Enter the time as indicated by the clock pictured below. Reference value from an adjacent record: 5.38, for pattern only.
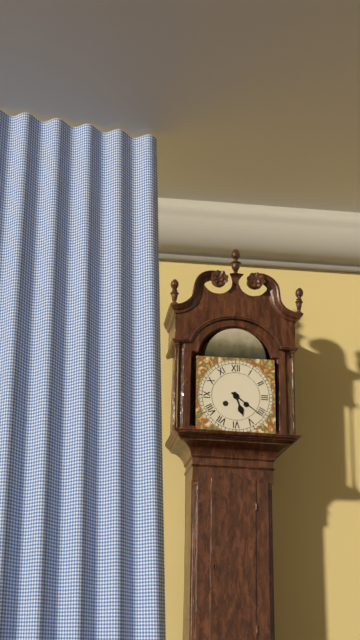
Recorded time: 5.21
